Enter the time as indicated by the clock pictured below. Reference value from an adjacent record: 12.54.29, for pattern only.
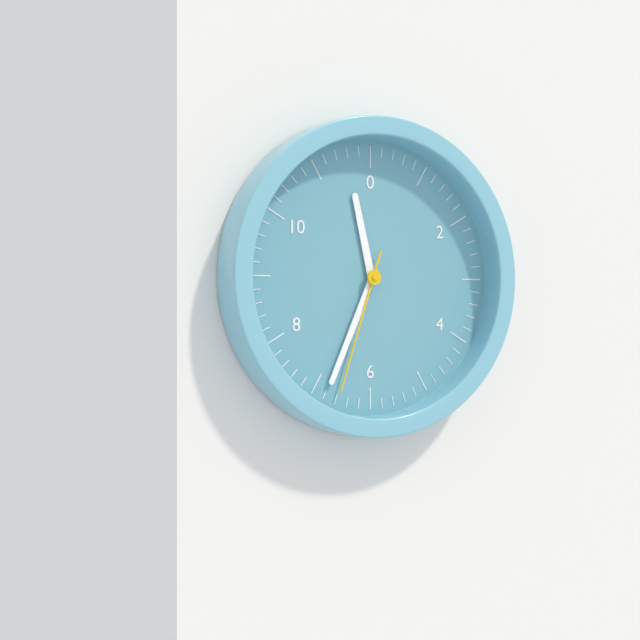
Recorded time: 11.34.33
